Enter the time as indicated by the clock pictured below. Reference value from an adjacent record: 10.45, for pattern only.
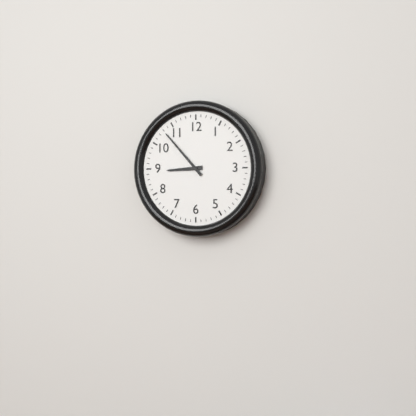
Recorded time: 8.53
